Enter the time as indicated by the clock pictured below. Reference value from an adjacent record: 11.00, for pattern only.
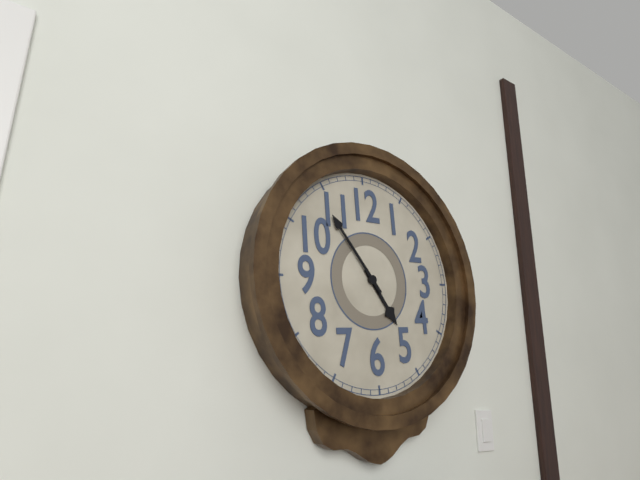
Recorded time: 4.54
